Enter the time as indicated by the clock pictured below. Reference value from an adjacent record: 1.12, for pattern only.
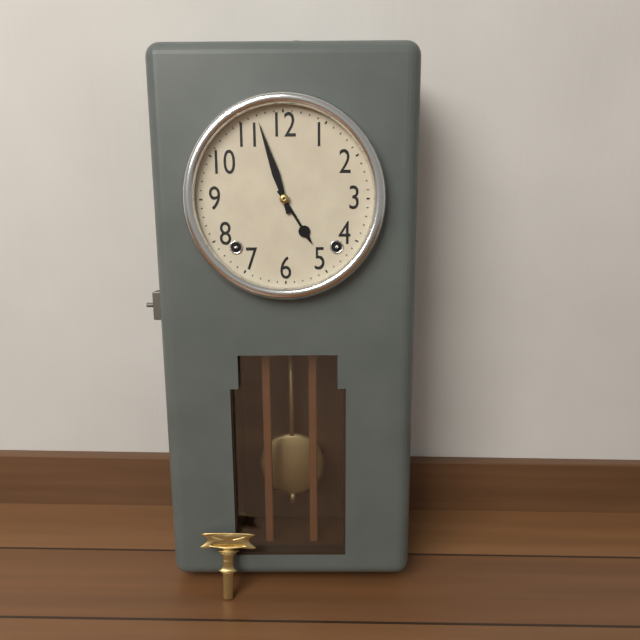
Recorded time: 4.57
